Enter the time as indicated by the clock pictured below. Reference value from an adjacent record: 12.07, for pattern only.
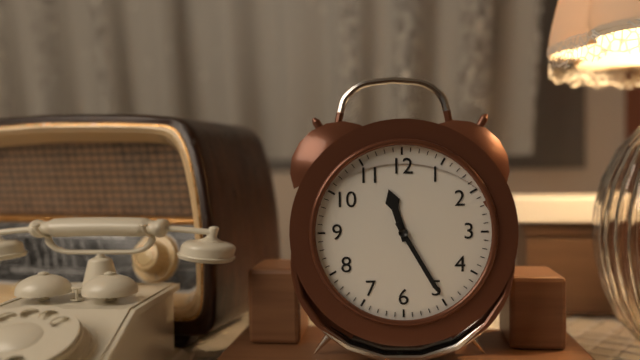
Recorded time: 11.25
